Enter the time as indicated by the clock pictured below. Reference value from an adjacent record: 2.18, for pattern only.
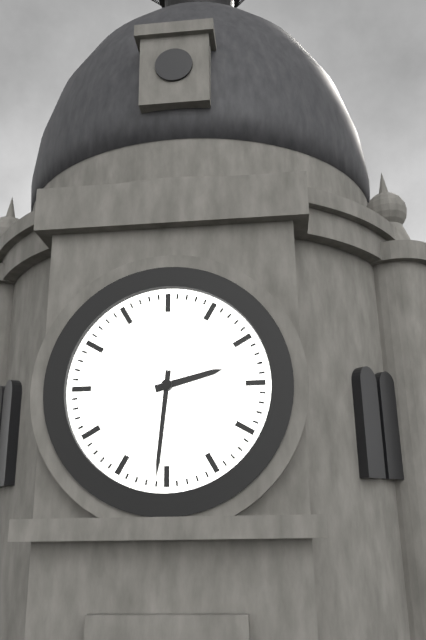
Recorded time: 2.31
